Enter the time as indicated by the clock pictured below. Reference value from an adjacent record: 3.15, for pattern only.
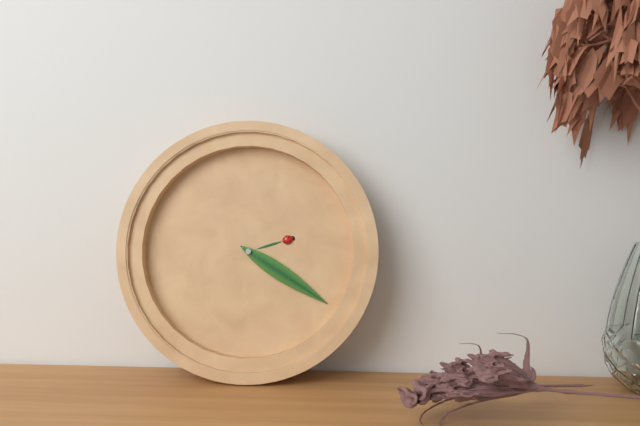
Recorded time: 2.20
